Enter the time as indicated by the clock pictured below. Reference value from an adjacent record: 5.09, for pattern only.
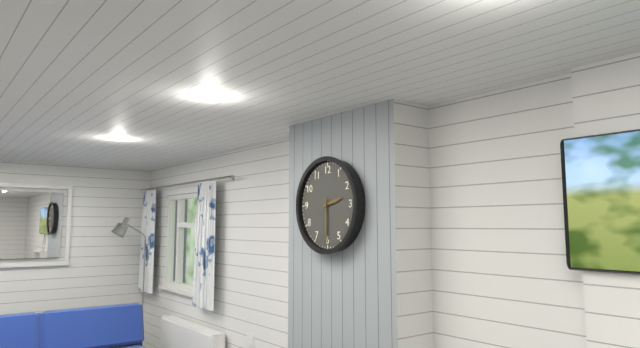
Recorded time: 2.30
